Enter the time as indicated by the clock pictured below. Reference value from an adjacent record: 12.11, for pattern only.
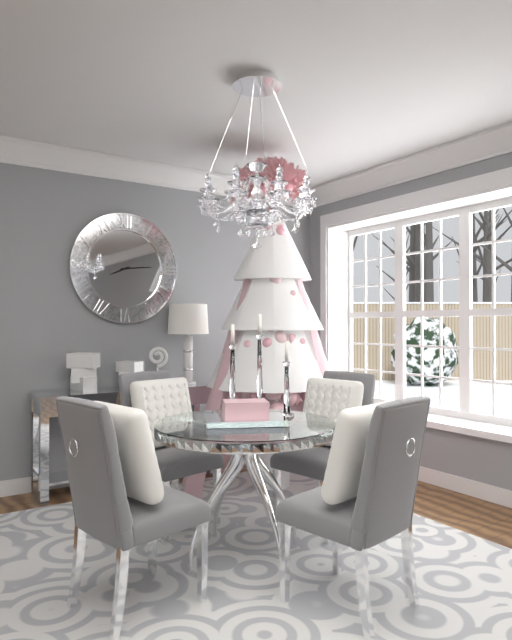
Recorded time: 8.14
